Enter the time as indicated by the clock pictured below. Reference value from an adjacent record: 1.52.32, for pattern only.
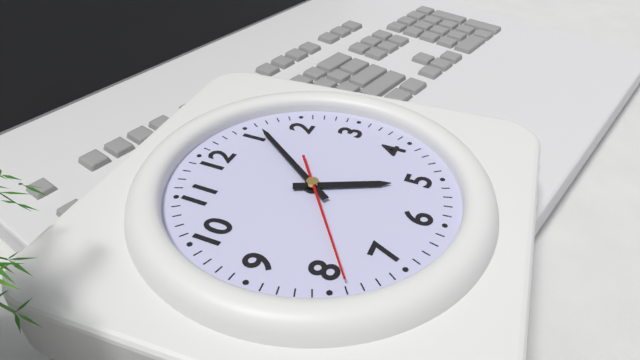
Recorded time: 5.06.39
